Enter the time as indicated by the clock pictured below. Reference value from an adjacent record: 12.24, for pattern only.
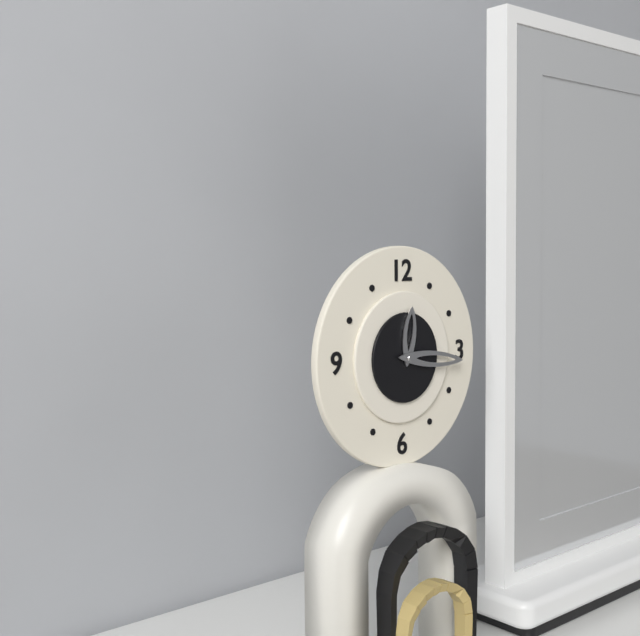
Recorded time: 12.16
